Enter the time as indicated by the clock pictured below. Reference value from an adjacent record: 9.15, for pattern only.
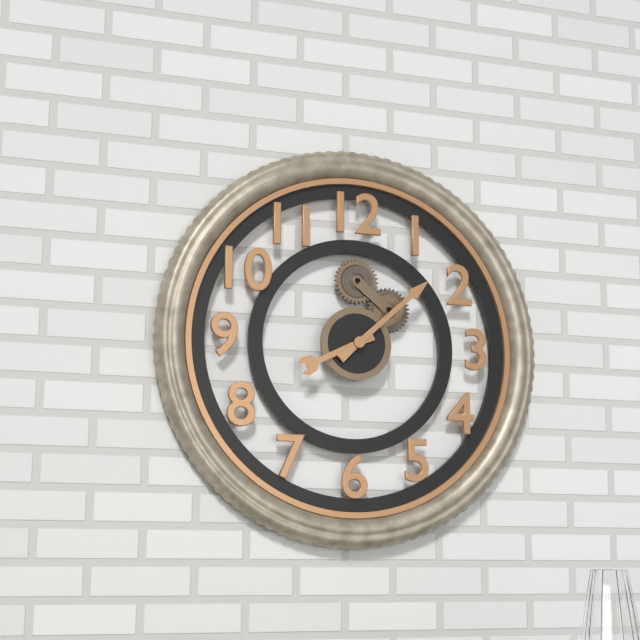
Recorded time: 8.08
